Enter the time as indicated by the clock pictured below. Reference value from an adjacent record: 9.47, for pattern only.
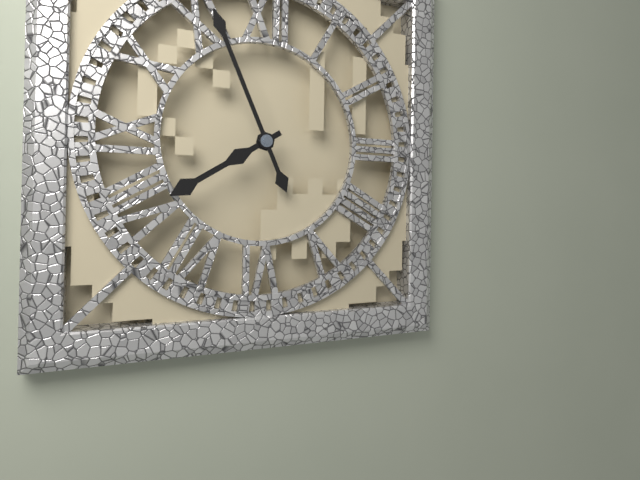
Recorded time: 7.56
